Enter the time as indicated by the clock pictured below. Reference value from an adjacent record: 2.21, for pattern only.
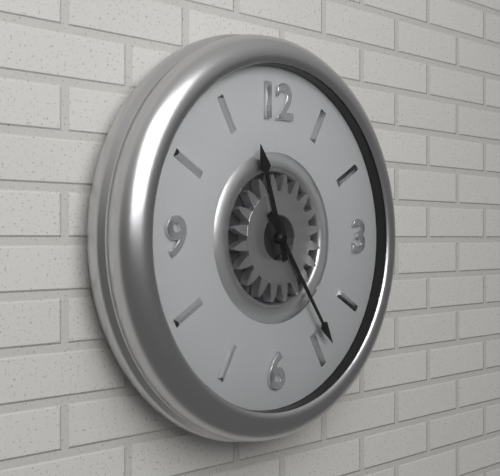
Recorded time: 11.24
